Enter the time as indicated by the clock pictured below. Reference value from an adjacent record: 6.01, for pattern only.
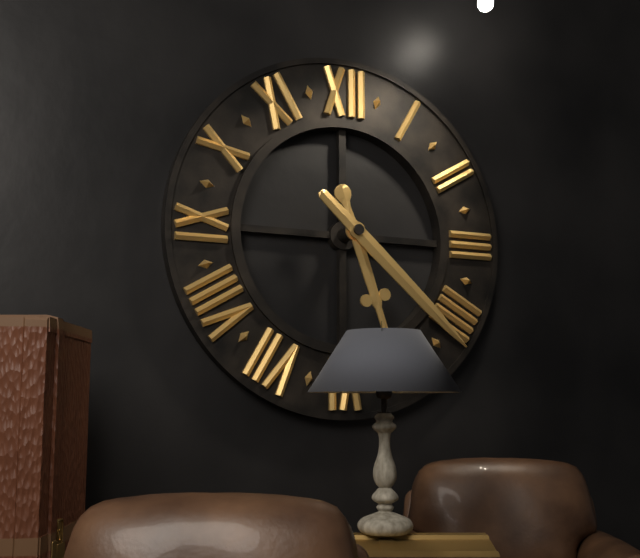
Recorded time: 5.22
